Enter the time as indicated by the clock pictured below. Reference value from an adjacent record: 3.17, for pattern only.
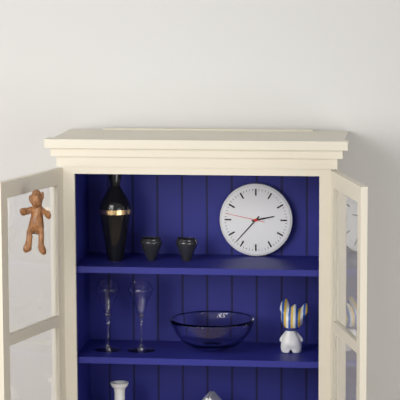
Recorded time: 2.37
